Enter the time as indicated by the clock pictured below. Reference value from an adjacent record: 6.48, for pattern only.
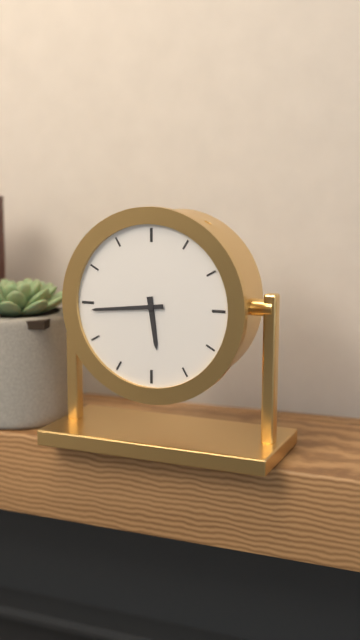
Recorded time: 5.44
